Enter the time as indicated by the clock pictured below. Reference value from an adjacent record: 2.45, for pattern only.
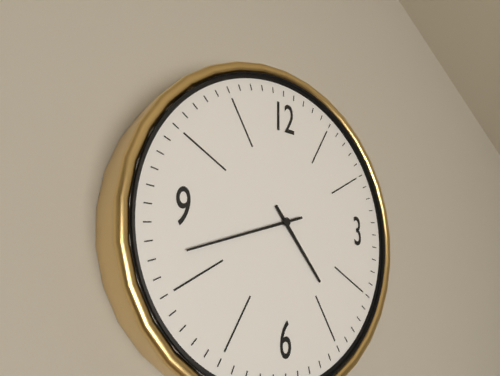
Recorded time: 4.42
